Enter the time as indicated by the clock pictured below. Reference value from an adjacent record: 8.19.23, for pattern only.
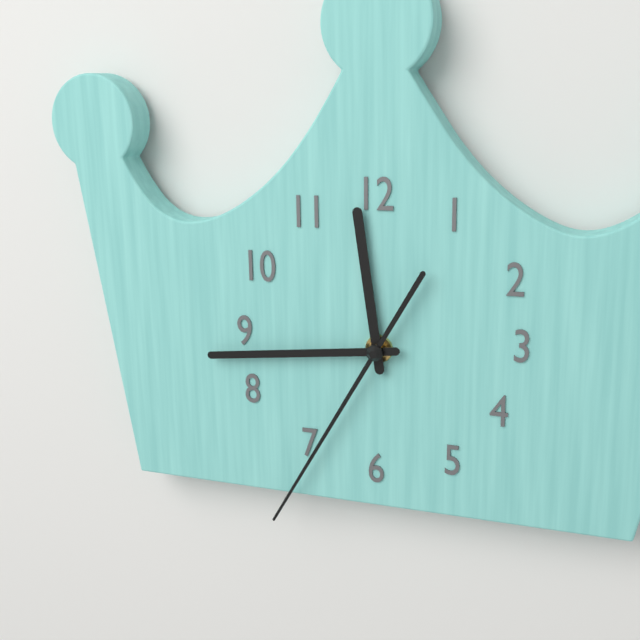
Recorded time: 11.44.35
